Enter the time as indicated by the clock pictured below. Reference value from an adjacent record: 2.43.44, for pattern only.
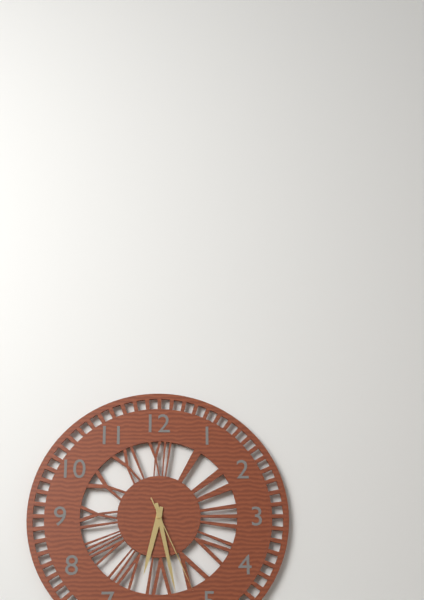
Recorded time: 6.28.26
